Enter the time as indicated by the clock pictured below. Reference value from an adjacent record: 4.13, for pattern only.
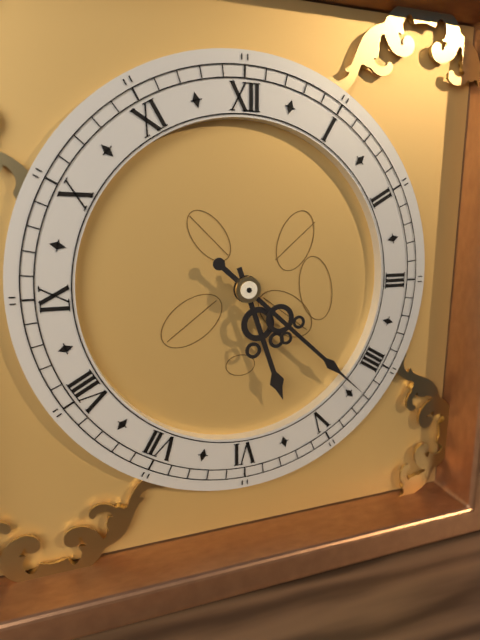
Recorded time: 5.22
